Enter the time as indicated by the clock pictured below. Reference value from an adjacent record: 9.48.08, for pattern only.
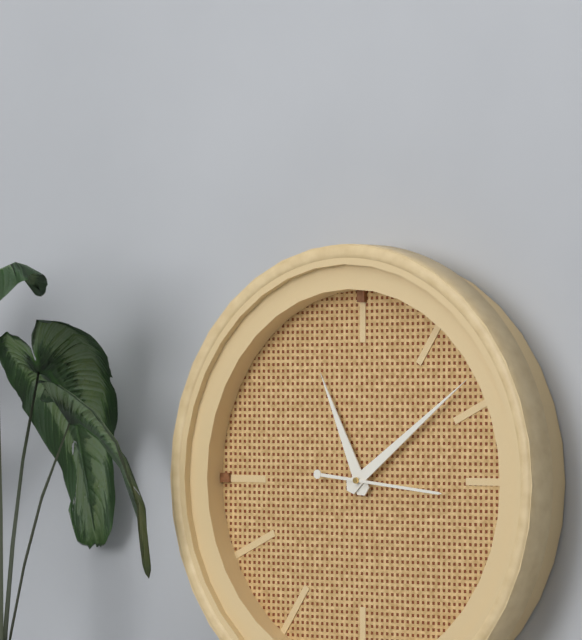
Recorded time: 11.09.16
